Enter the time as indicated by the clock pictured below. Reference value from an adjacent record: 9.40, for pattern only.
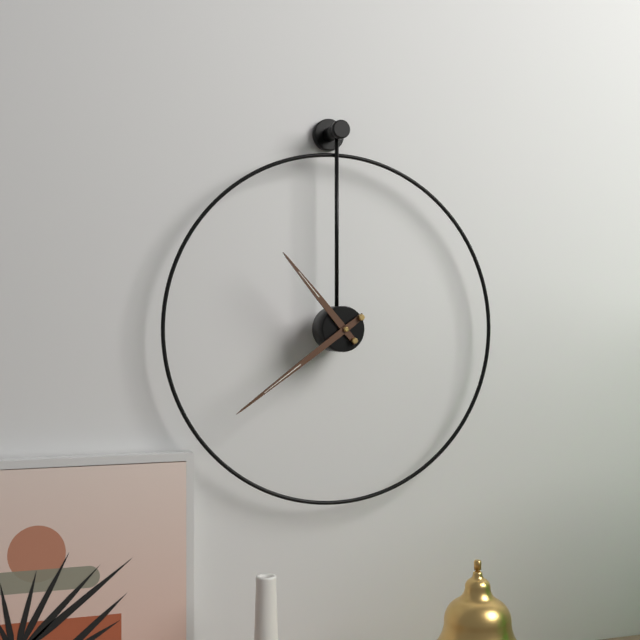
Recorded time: 10.39
